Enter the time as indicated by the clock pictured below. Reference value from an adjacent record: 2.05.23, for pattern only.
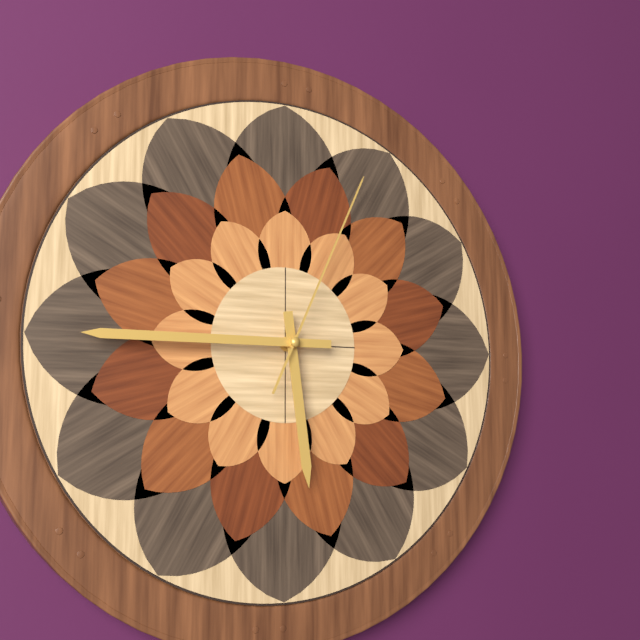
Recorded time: 5.45.04
